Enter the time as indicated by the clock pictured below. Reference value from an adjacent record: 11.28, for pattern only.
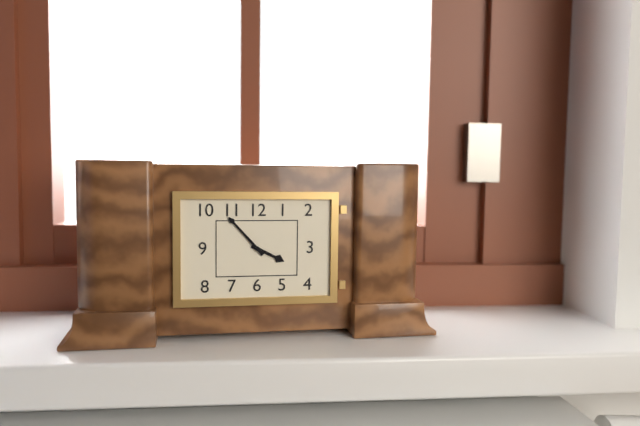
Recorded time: 3.53
